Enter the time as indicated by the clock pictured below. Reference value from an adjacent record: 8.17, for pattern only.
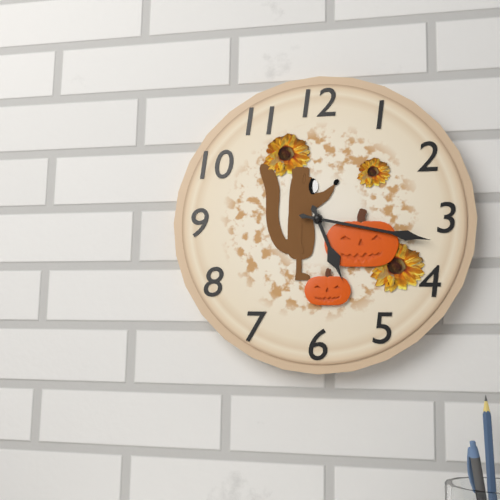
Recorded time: 5.17
